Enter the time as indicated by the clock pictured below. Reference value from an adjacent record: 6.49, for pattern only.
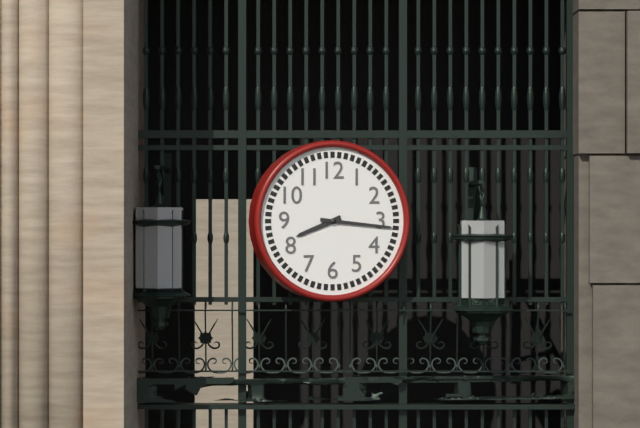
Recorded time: 8.16
